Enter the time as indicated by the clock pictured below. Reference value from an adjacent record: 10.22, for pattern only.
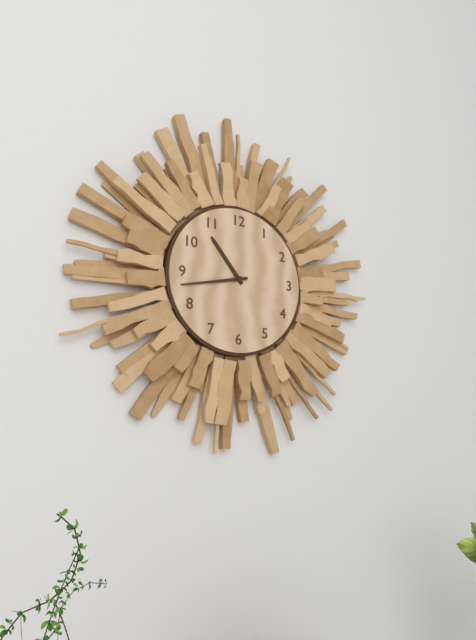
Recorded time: 10.43
